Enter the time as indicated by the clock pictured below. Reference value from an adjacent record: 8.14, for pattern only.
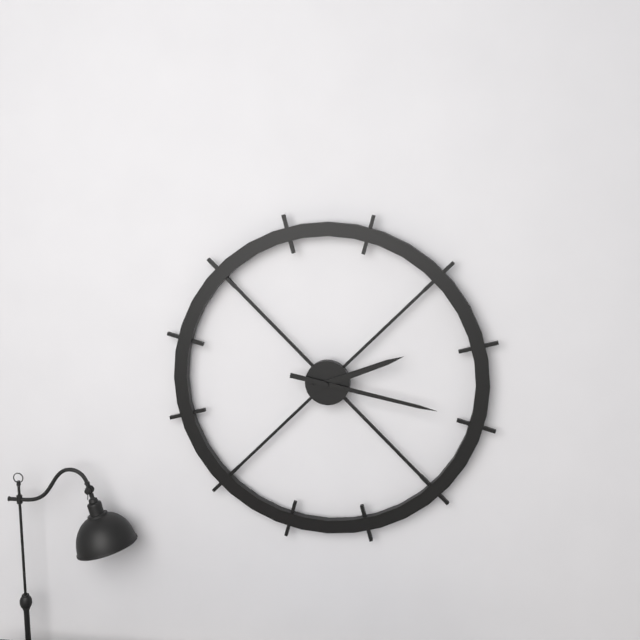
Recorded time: 2.17
